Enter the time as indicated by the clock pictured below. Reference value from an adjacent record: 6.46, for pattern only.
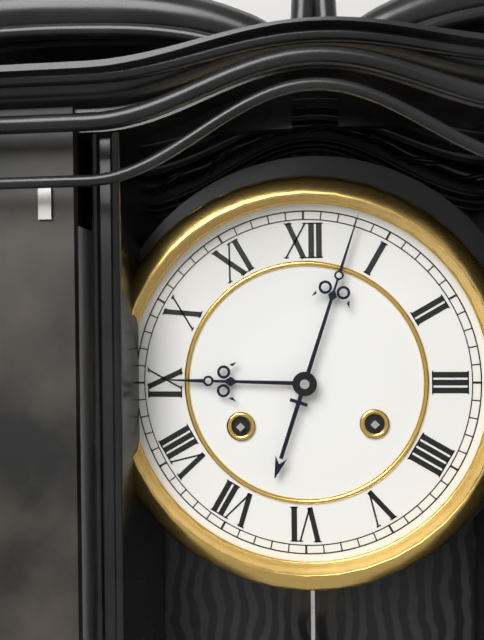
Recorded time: 9.03
